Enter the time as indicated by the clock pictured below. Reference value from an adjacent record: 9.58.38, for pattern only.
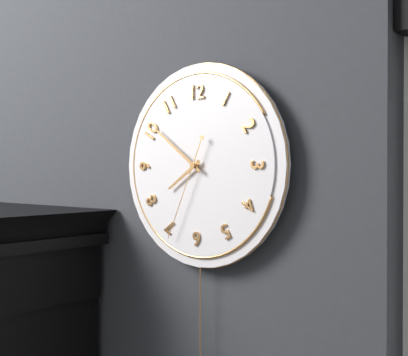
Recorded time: 7.51.34
